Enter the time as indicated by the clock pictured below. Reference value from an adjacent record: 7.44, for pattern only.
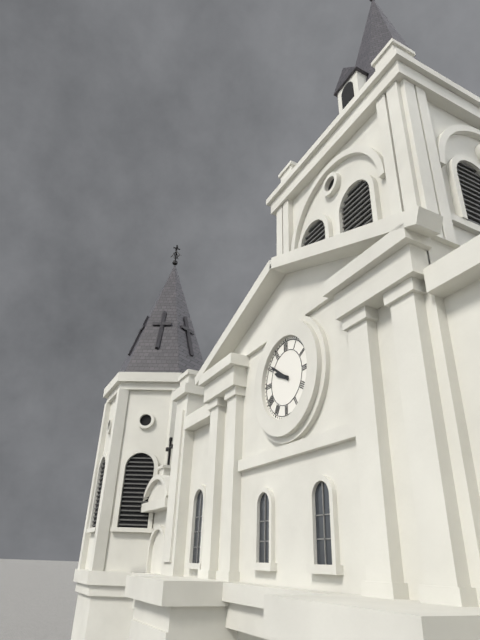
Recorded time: 9.51
